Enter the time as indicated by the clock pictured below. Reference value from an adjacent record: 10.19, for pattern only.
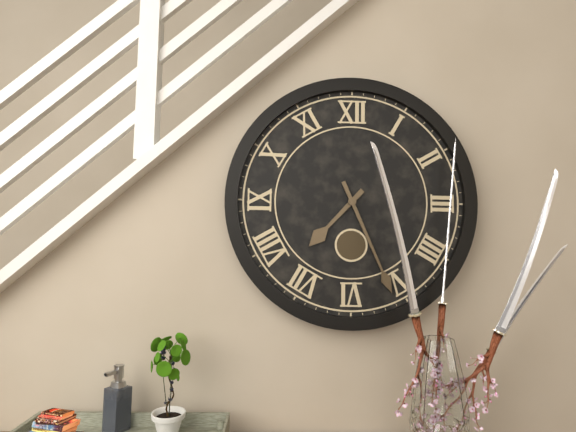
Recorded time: 7.26
